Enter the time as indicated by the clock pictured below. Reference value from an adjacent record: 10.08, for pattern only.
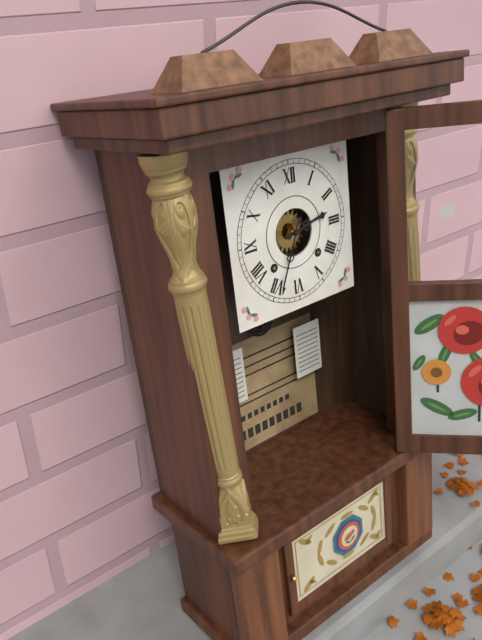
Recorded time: 2.34
